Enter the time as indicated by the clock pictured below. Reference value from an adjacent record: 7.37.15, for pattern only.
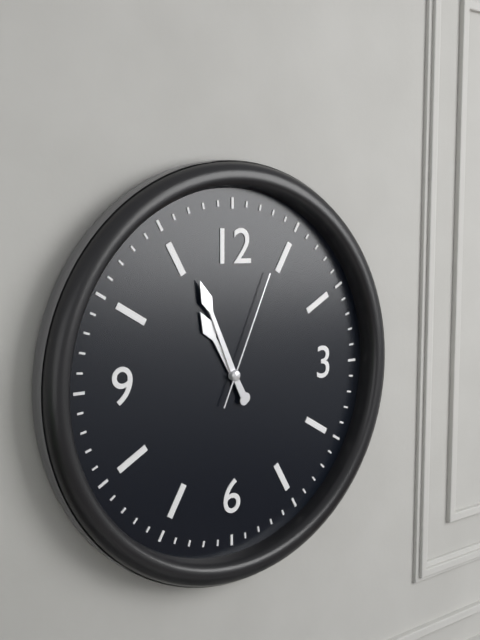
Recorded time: 10.56.04
